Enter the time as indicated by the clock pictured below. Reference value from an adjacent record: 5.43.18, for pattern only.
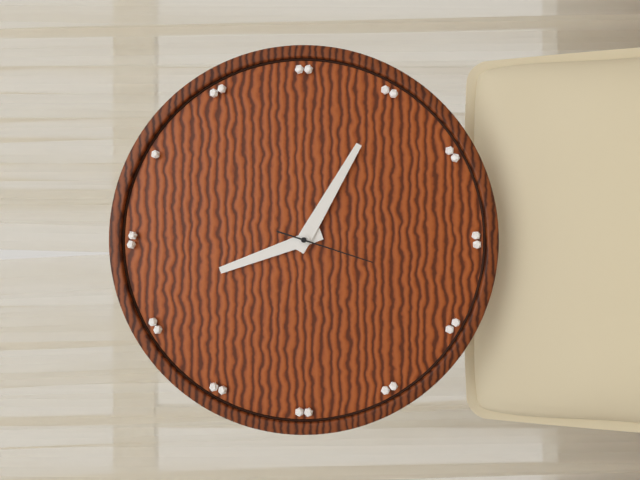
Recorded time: 11.20.33
